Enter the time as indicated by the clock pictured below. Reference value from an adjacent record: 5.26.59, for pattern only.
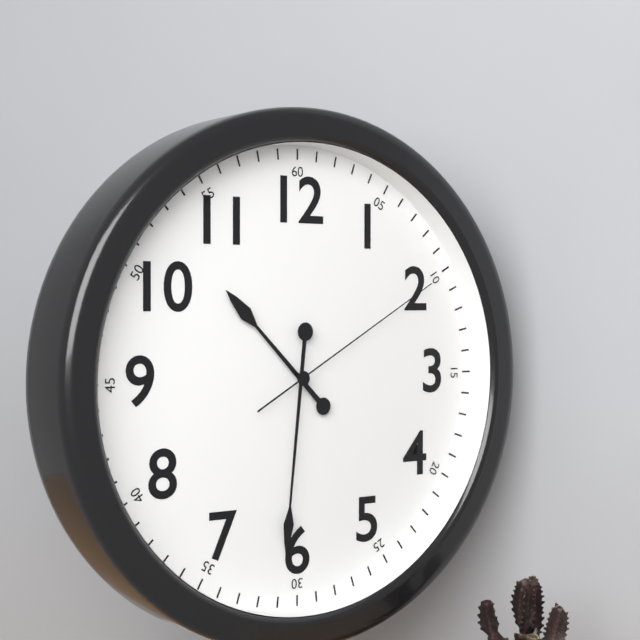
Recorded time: 10.31.10
